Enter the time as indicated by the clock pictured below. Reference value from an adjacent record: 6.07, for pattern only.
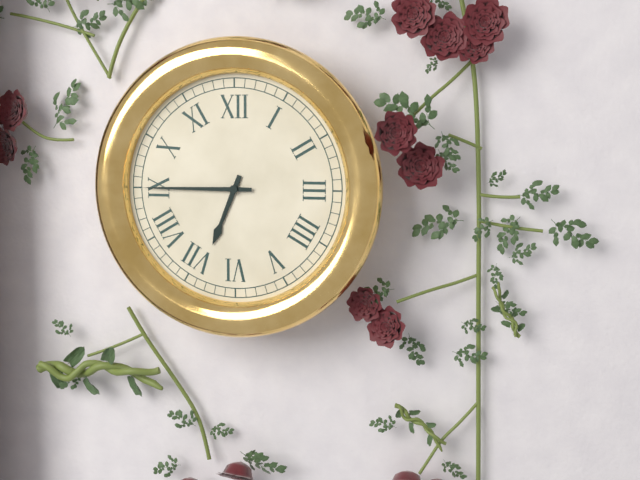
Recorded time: 6.45
